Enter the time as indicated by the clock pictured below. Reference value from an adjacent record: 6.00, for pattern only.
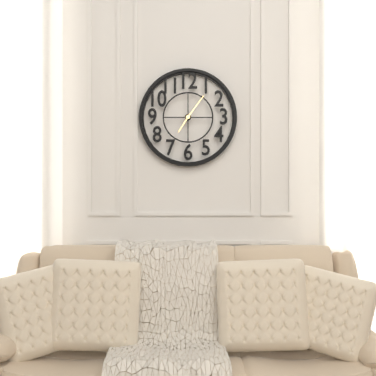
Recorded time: 7.06
